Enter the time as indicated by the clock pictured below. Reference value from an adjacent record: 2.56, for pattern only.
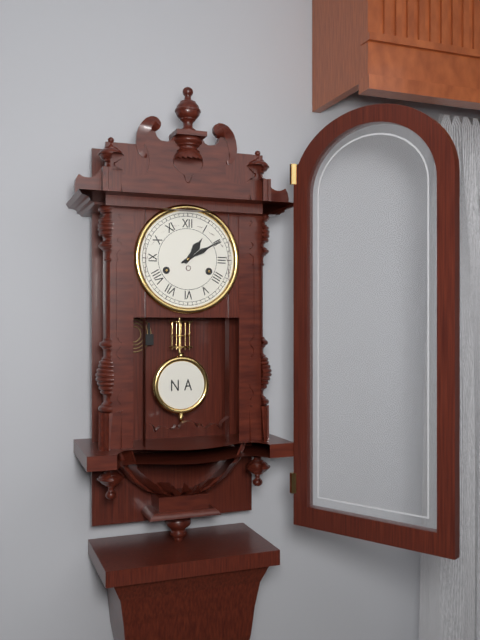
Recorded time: 1.10
